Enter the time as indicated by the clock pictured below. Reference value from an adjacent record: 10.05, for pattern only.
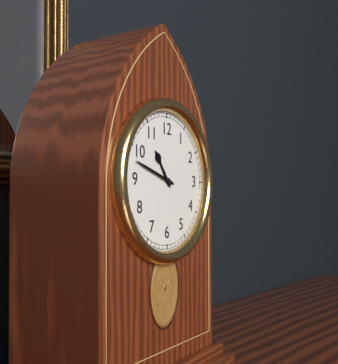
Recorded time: 10.48
